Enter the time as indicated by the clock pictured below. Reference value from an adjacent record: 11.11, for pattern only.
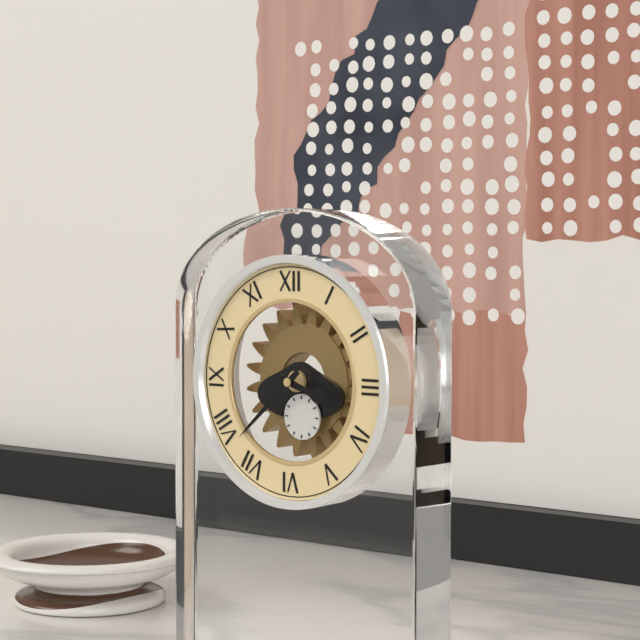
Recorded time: 3.38
